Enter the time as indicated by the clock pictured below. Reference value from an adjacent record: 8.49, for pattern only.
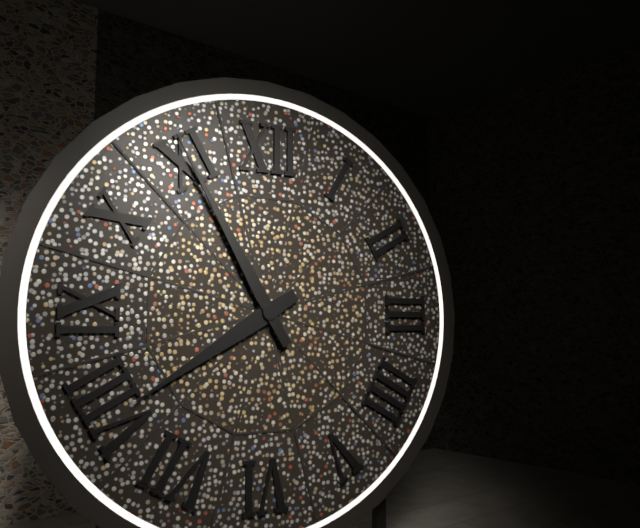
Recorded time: 7.55
